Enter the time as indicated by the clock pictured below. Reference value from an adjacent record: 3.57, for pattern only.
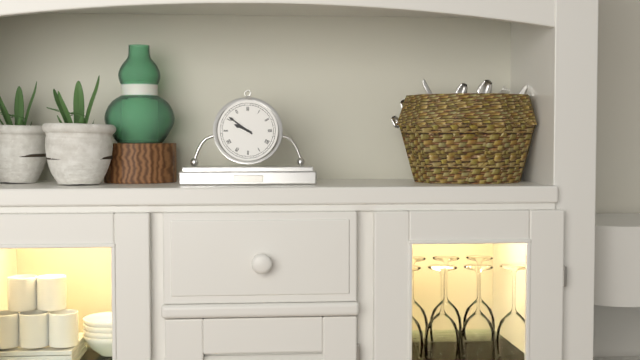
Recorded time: 9.51
